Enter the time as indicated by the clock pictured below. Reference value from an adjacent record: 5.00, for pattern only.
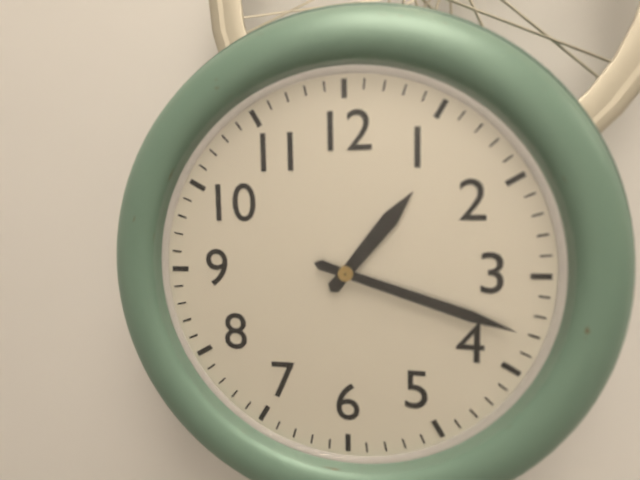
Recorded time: 1.18
